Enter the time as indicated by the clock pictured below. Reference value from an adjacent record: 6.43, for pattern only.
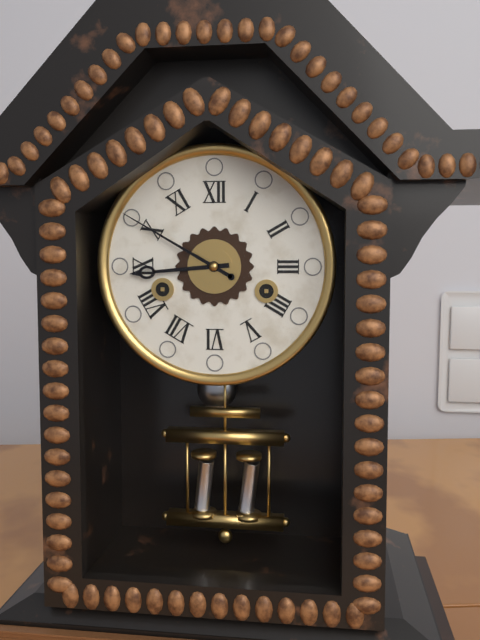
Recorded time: 8.50
